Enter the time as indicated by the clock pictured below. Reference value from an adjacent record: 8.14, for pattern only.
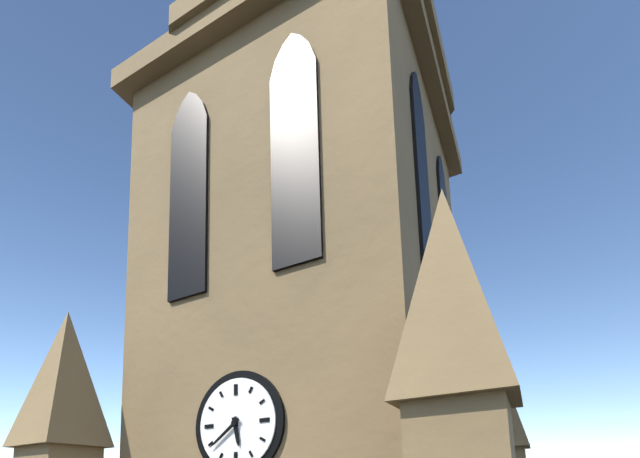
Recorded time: 5.39
